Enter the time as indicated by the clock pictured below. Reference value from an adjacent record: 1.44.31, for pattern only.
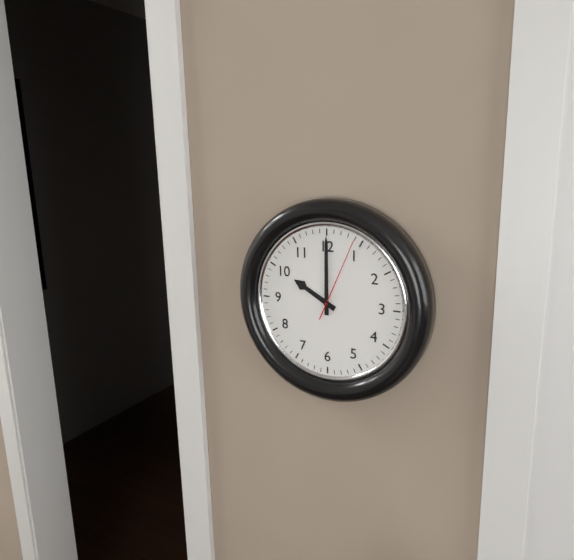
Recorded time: 10.00.04
